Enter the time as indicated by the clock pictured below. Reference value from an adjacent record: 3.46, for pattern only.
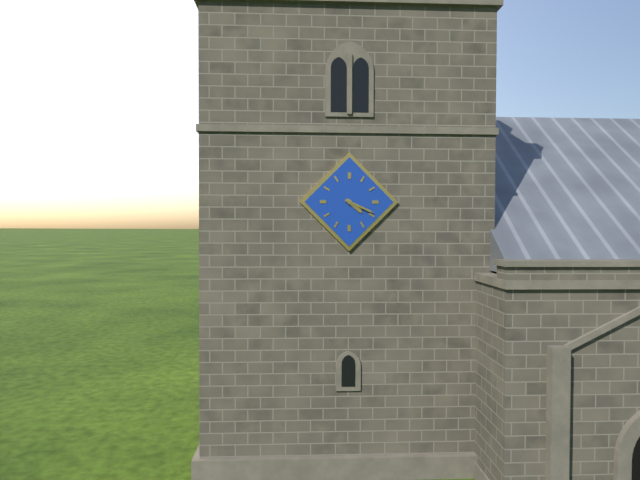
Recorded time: 4.19
